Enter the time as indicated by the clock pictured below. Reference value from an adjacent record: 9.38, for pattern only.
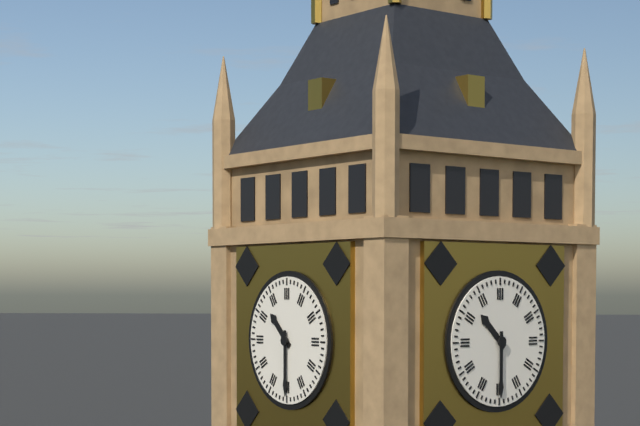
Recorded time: 10.30
